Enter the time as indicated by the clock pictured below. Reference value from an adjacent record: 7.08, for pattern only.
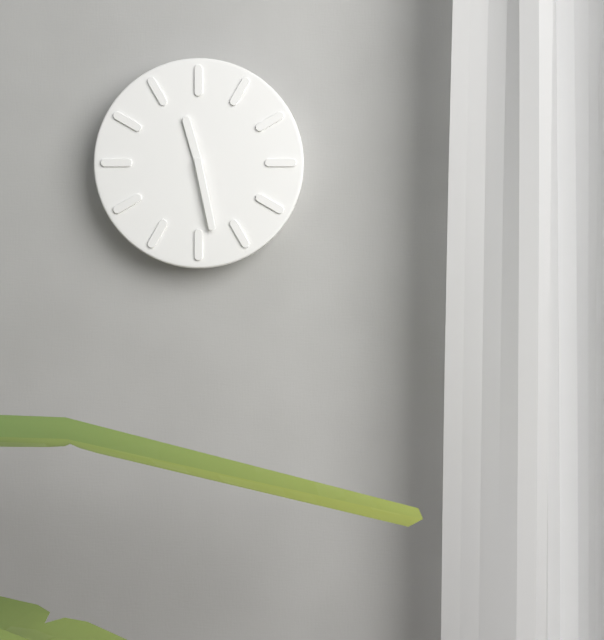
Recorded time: 11.28
